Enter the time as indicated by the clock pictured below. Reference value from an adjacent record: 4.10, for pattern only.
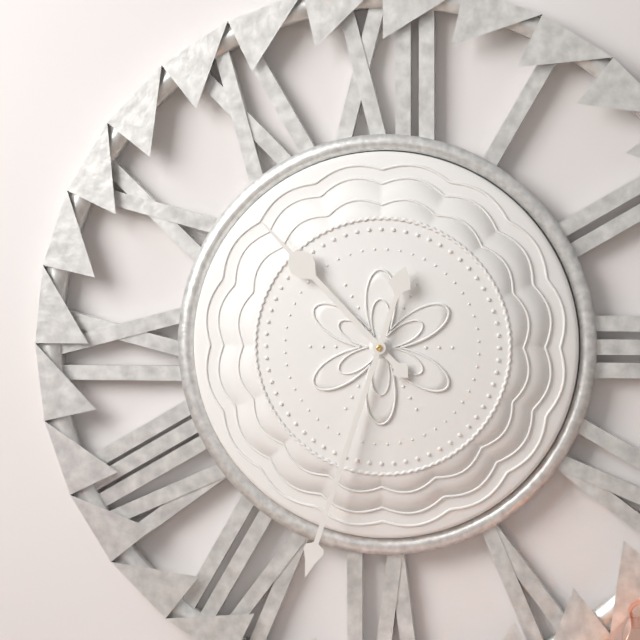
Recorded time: 10.33
